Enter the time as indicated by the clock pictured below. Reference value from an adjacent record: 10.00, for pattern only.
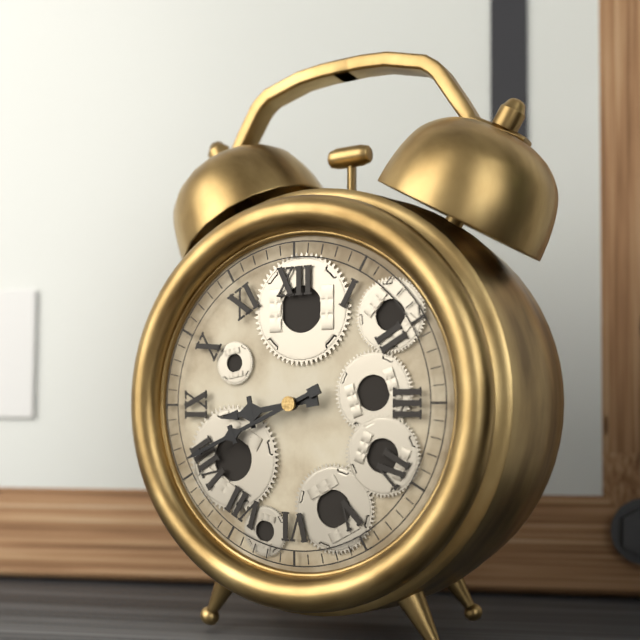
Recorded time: 8.41
